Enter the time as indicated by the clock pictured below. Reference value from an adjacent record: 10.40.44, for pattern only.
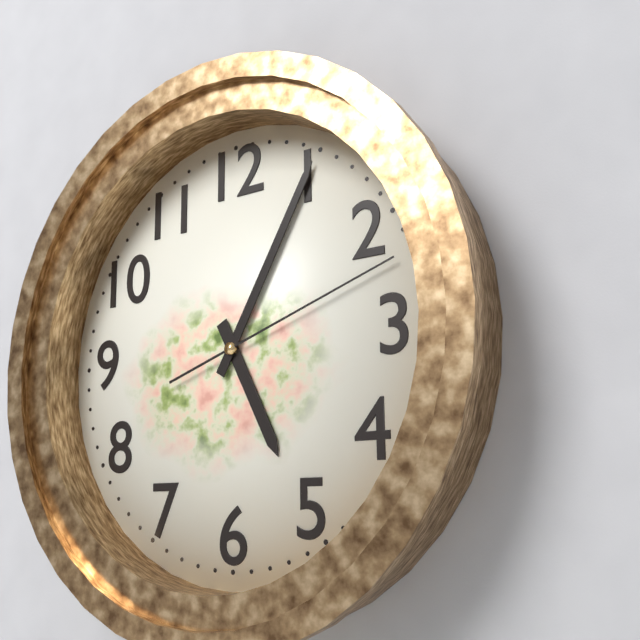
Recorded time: 5.05.12
